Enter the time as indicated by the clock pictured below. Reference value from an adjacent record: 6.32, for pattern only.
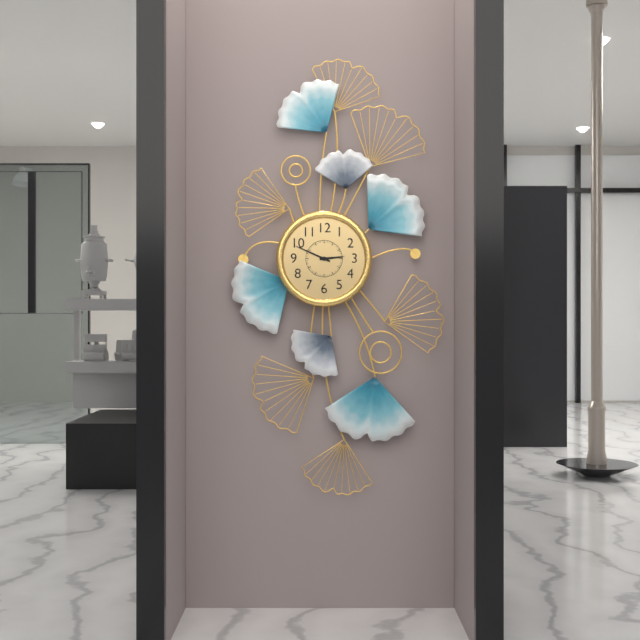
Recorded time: 2.49
